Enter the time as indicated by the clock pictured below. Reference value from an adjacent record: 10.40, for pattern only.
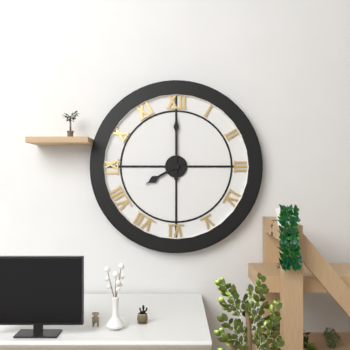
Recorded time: 8.00
